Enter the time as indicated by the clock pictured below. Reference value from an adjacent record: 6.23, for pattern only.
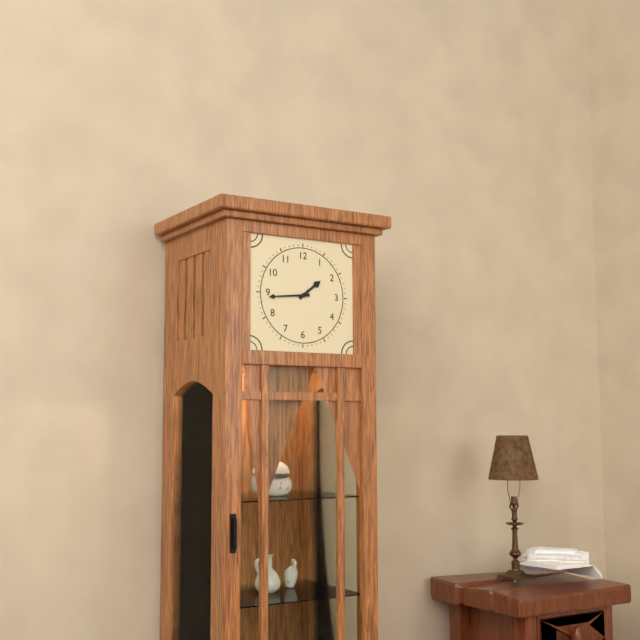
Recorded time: 1.44
